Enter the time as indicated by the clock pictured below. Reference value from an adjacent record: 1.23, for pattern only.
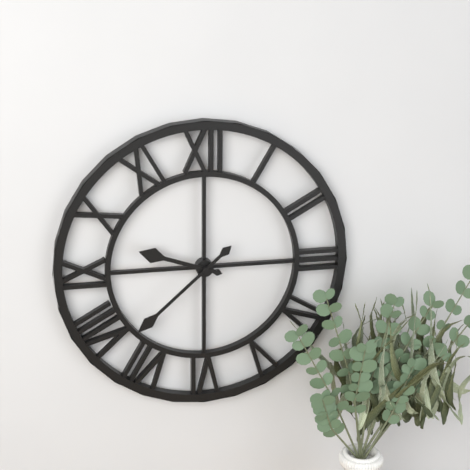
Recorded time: 9.38
